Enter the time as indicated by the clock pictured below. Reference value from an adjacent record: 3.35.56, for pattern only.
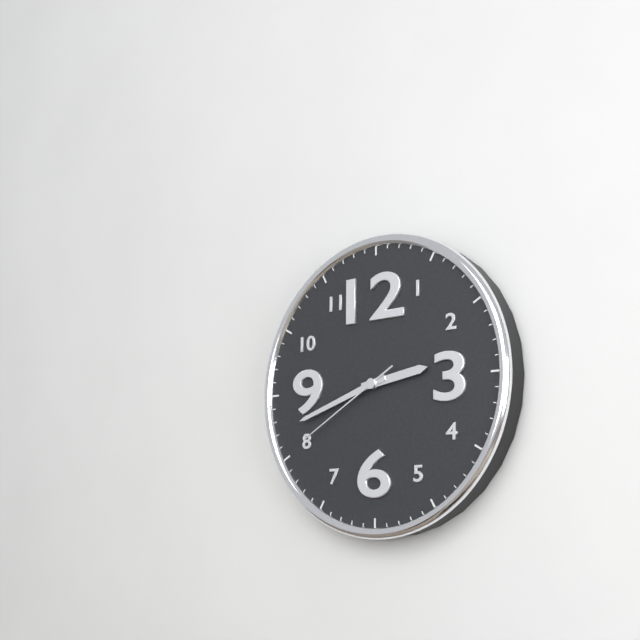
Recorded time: 2.42.40
